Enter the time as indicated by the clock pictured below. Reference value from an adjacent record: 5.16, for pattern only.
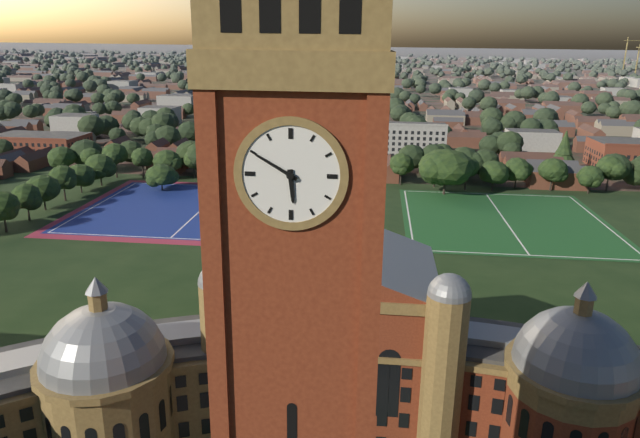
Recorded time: 5.50
